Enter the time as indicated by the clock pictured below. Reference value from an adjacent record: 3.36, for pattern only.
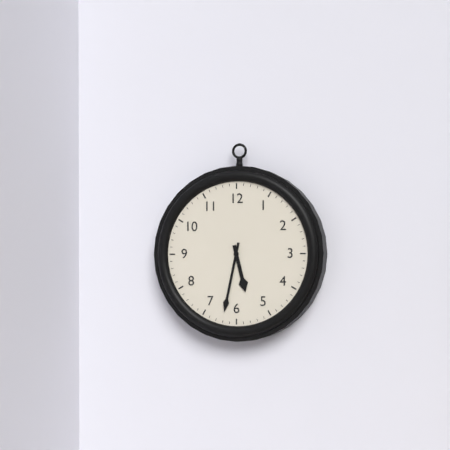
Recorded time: 5.32
